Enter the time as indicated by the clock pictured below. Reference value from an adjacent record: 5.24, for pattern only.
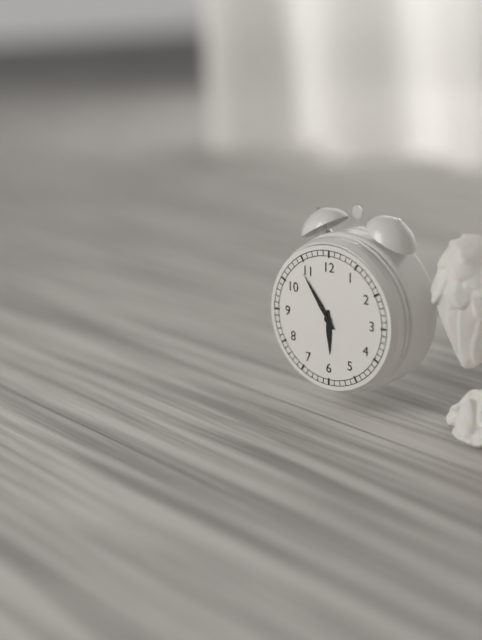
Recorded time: 5.54
